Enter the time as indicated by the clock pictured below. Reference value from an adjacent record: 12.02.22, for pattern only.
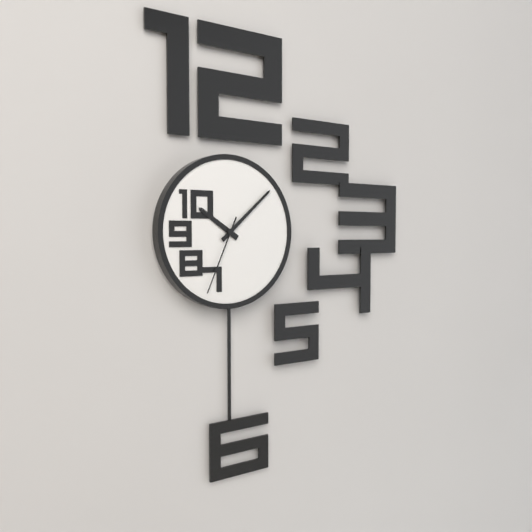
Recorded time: 10.08.34
